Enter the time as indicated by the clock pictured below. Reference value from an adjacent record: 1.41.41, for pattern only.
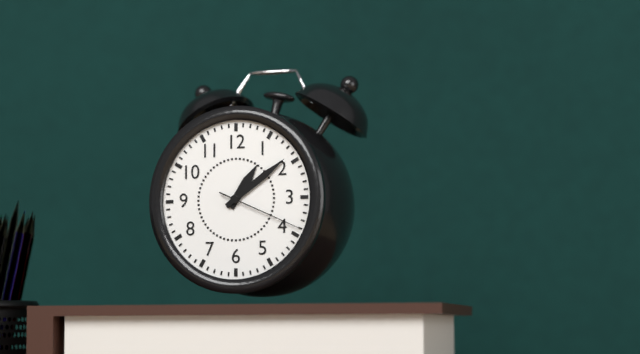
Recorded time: 1.09.19
